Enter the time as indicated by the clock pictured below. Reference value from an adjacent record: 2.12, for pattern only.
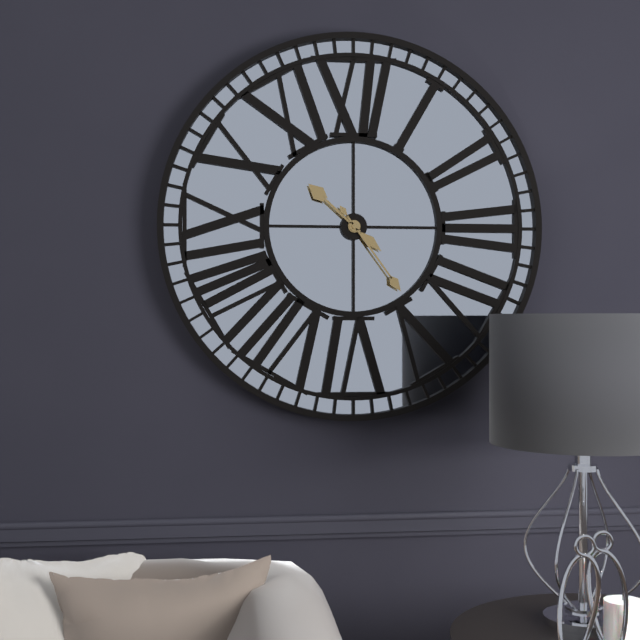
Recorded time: 10.24
